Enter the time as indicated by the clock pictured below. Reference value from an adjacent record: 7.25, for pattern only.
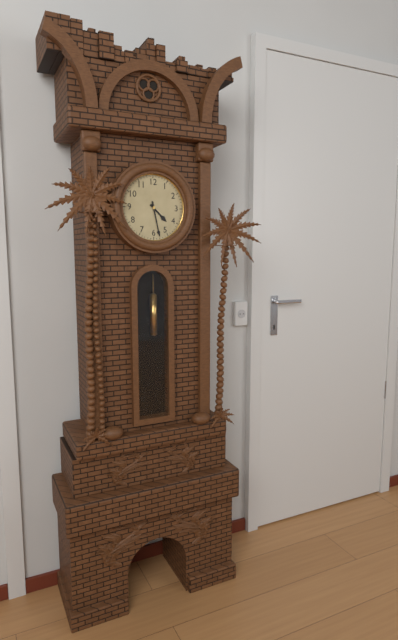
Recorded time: 4.28
